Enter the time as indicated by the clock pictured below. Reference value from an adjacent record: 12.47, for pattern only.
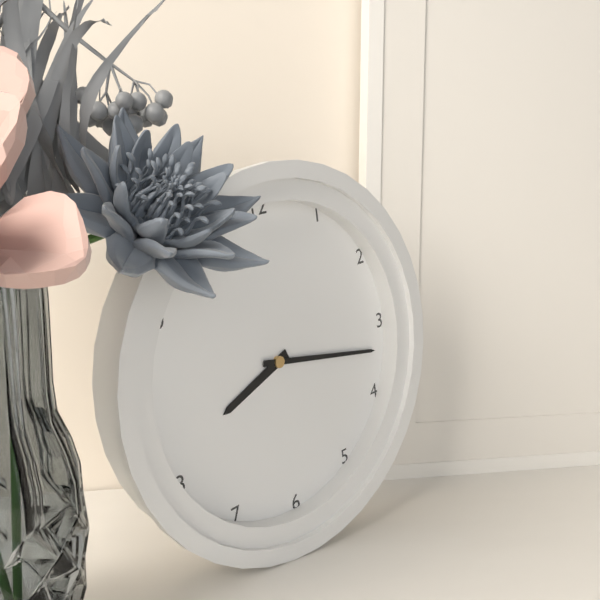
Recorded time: 8.17
